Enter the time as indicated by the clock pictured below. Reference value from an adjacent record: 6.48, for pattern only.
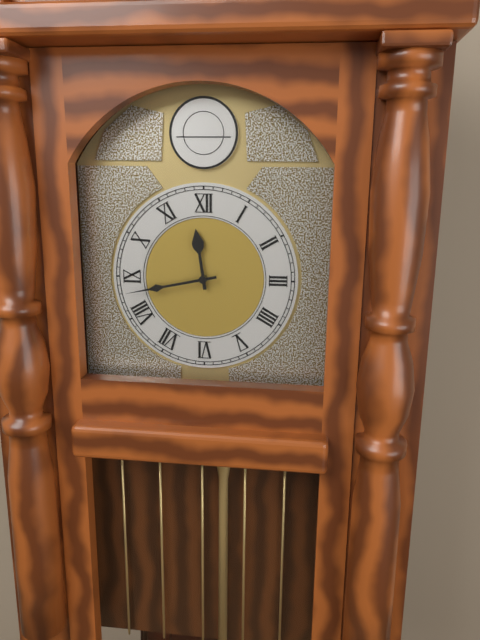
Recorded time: 11.43
